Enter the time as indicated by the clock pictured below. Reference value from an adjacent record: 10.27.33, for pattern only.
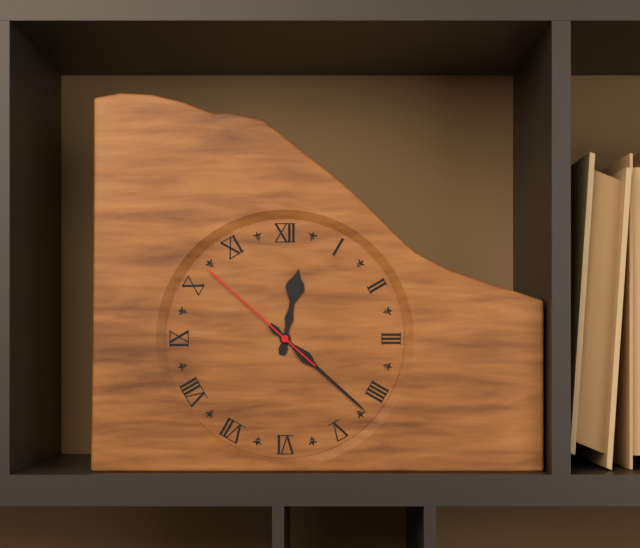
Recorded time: 12.22.52
